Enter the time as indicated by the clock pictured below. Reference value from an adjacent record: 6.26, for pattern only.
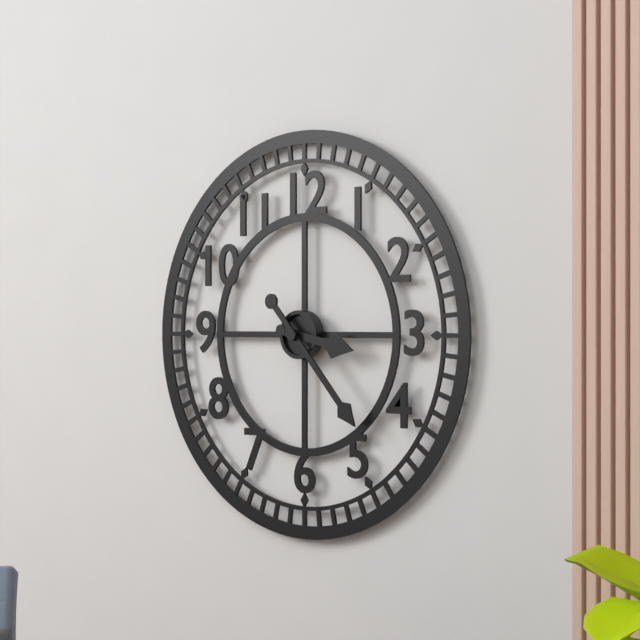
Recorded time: 3.23
